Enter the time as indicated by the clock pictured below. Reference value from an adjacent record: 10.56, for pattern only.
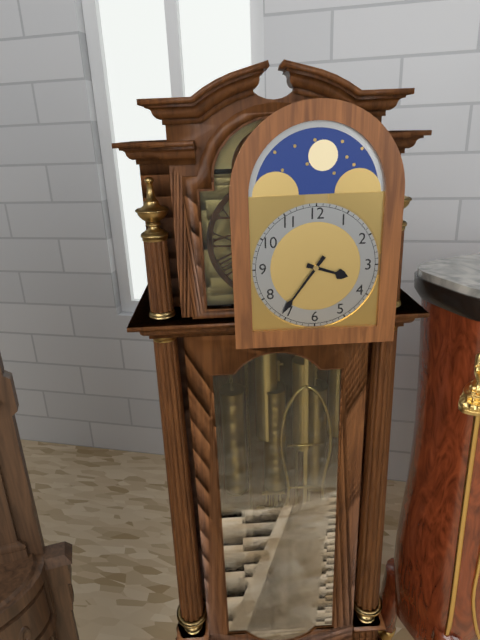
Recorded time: 3.36
